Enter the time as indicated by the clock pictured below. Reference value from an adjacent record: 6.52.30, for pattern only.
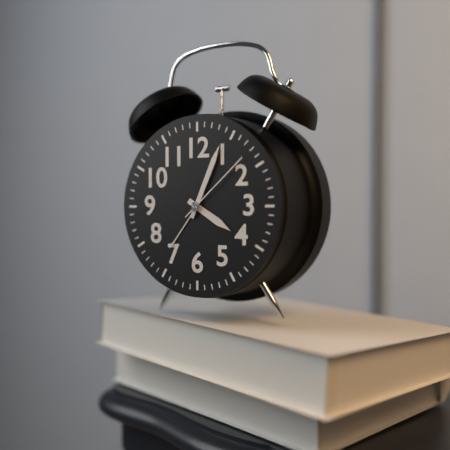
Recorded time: 4.04.08
